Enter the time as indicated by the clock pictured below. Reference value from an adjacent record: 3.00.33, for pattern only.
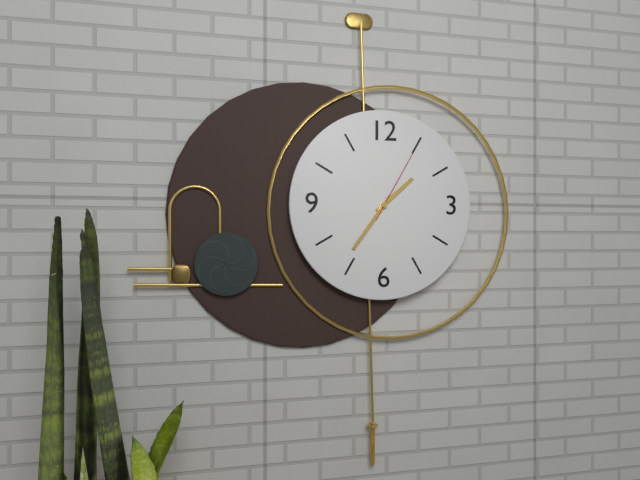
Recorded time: 1.36.05
